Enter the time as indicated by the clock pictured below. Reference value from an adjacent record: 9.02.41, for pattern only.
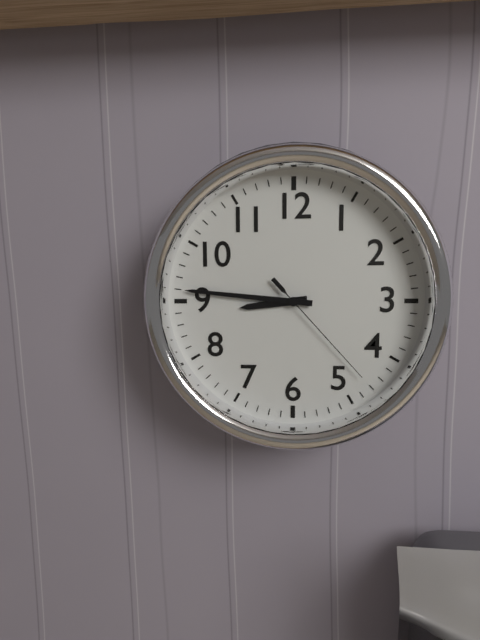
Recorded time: 8.46.23
